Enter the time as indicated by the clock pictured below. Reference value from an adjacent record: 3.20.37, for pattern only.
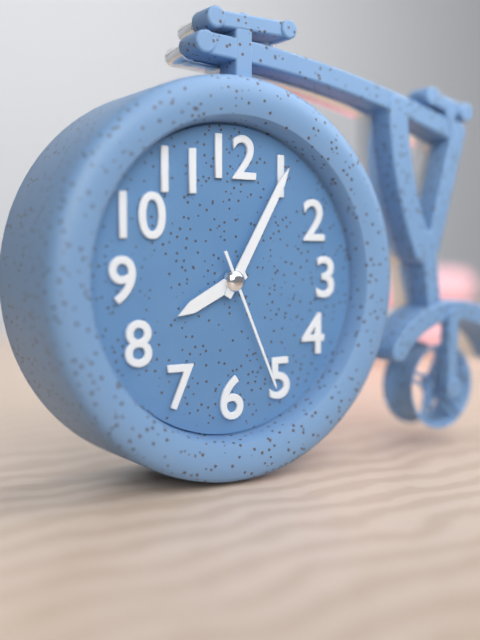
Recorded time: 8.05.26
